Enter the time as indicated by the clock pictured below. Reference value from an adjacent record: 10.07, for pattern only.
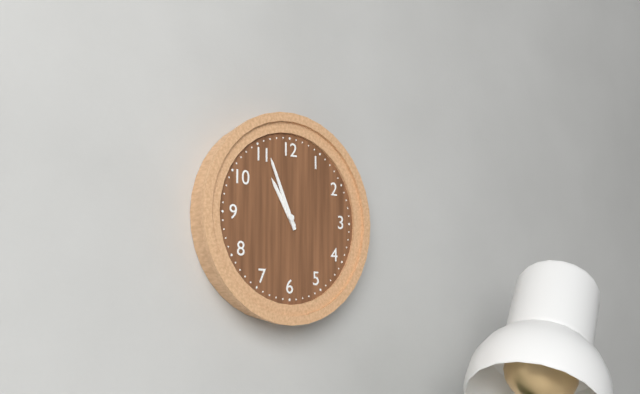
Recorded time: 10.56
